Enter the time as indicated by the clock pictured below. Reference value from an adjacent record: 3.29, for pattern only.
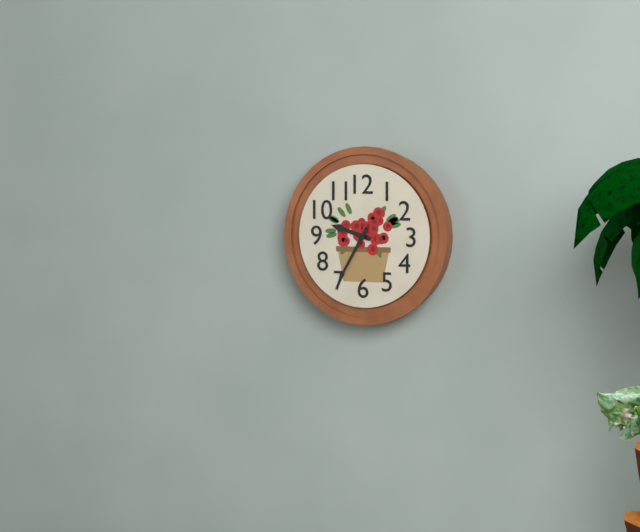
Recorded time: 9.35
